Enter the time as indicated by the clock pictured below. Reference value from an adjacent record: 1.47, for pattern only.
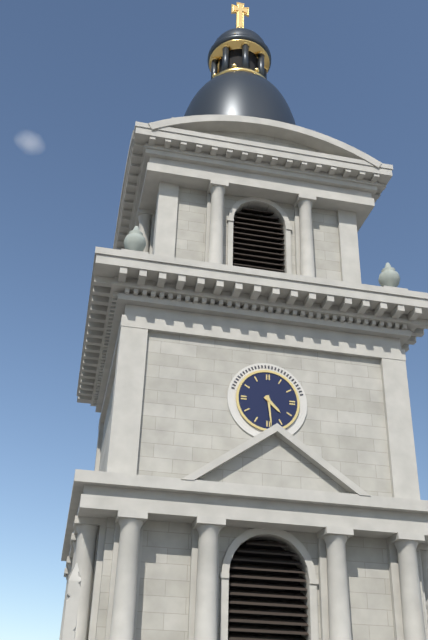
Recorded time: 4.29
